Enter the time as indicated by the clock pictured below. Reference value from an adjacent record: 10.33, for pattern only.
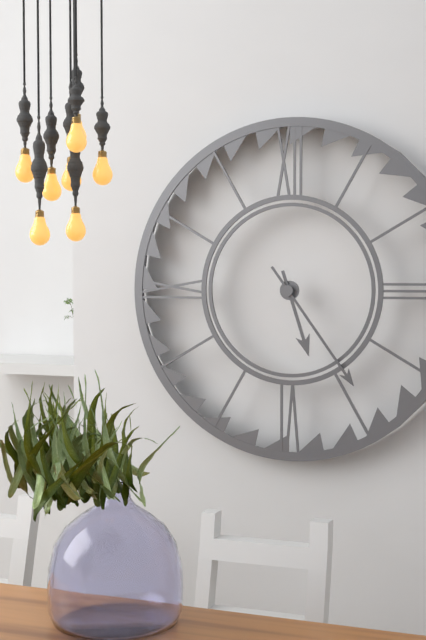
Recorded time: 5.24
